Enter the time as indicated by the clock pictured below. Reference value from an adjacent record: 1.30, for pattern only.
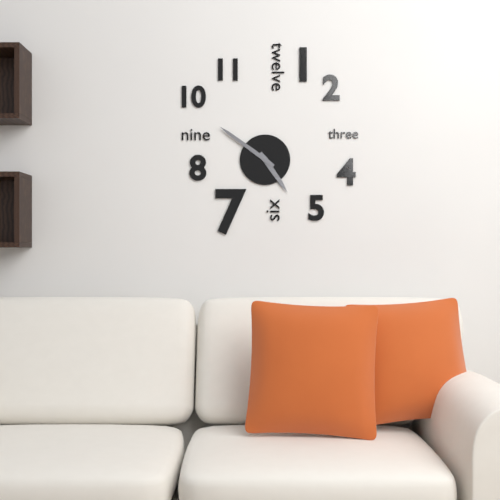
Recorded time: 4.51
